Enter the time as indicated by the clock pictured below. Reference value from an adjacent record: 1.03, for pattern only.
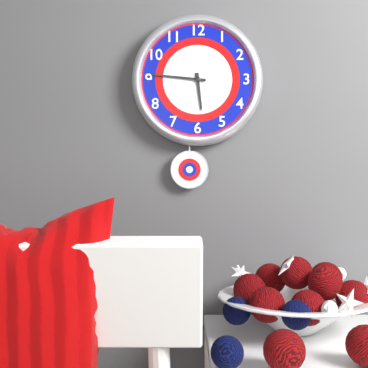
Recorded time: 5.46
